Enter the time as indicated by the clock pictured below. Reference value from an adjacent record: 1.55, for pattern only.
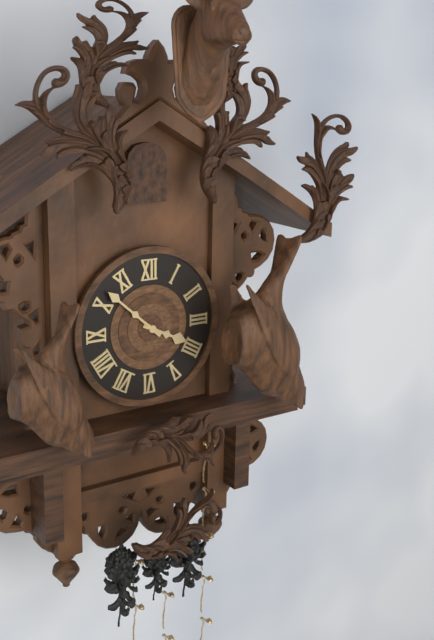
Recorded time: 3.52
